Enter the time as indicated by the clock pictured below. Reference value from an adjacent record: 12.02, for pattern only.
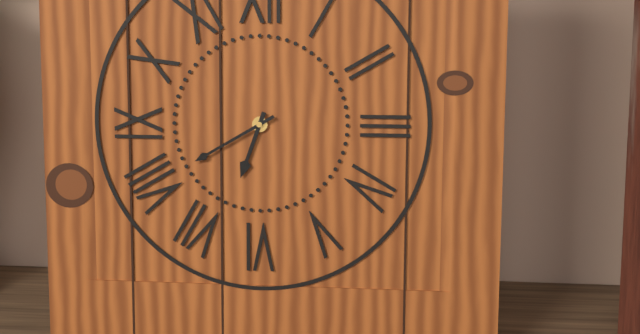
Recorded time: 6.40
